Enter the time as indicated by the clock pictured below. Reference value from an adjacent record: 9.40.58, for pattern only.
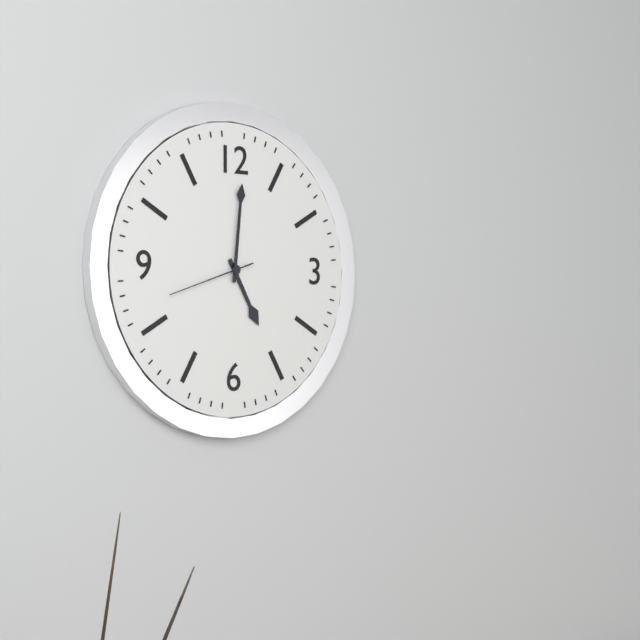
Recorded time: 5.01.42
